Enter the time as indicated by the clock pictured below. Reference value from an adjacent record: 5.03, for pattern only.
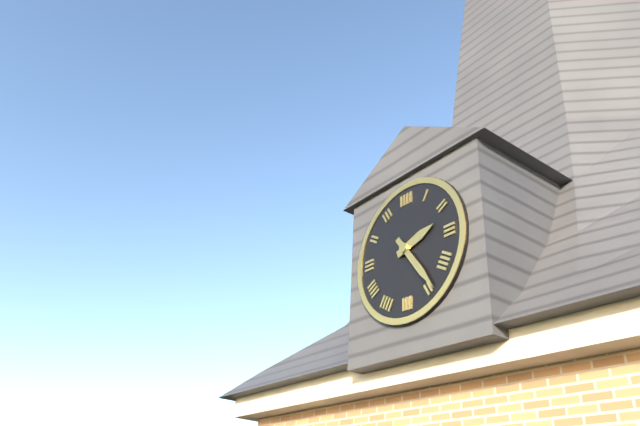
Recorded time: 2.24
